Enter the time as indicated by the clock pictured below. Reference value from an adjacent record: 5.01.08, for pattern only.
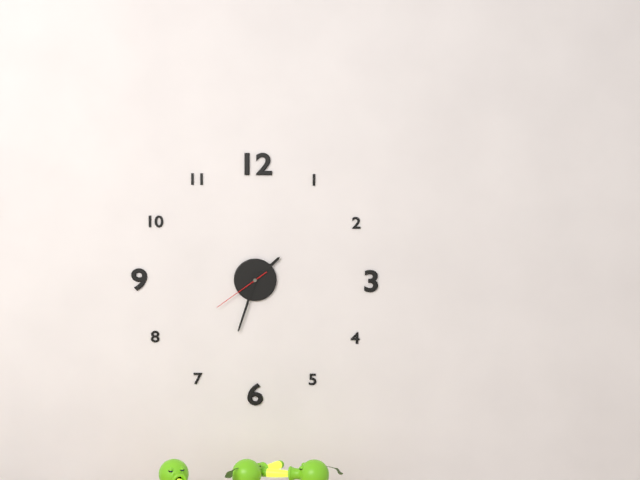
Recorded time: 1.33.39
